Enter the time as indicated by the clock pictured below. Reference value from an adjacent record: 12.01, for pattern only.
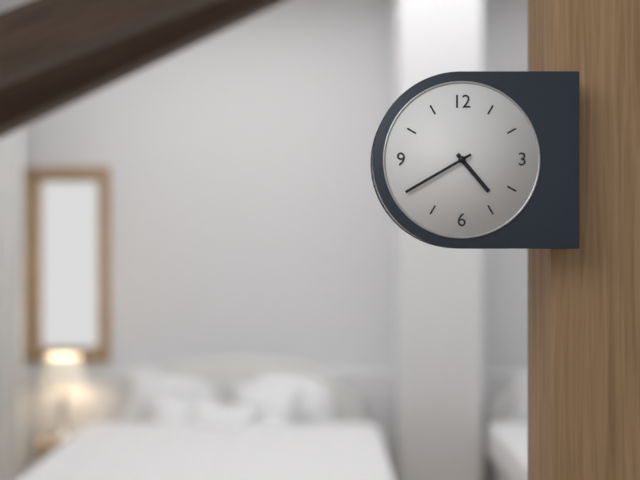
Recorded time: 4.40
